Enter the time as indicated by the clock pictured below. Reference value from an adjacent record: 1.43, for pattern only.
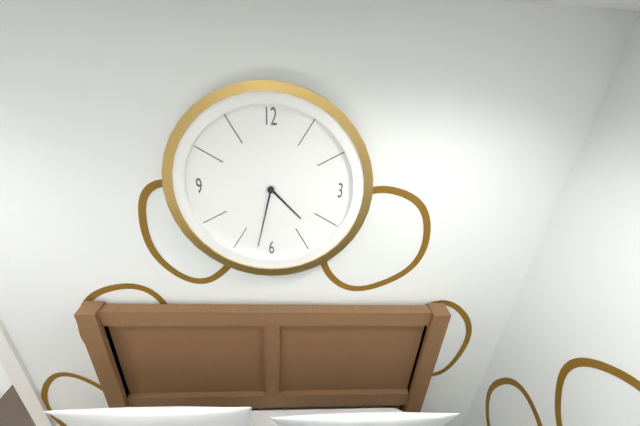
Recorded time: 4.32
